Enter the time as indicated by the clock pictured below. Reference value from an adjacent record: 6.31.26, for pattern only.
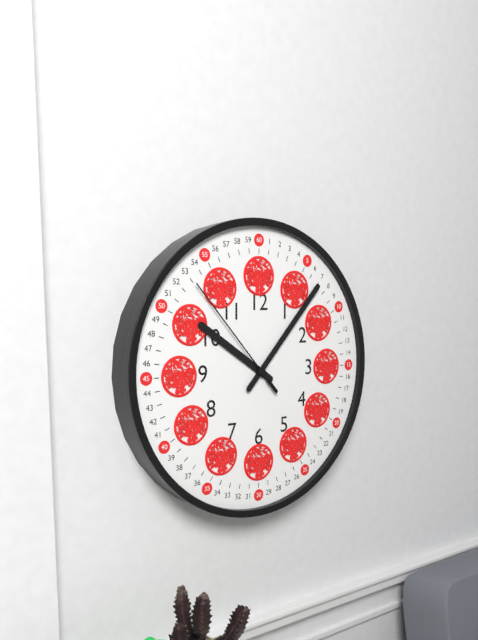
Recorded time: 10.07.53
